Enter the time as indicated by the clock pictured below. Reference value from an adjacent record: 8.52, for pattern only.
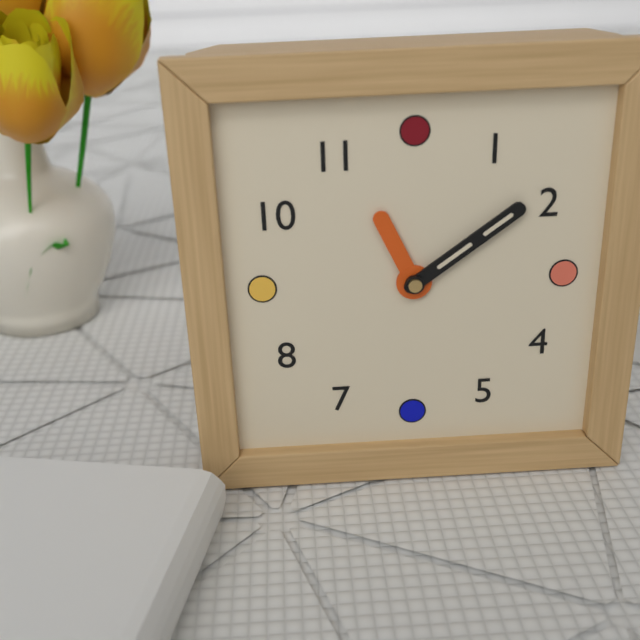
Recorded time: 11.09
